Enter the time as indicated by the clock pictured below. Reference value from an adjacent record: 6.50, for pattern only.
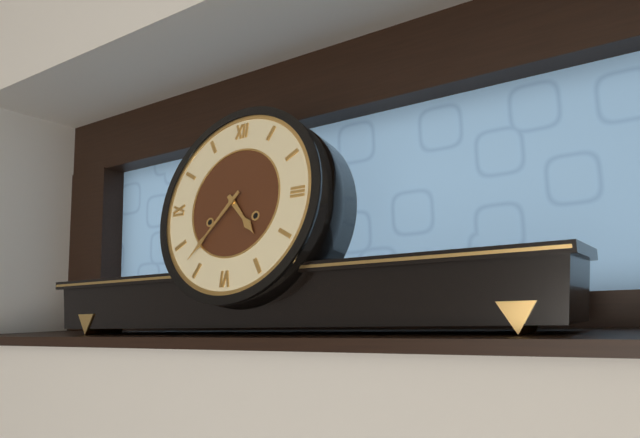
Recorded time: 4.37
